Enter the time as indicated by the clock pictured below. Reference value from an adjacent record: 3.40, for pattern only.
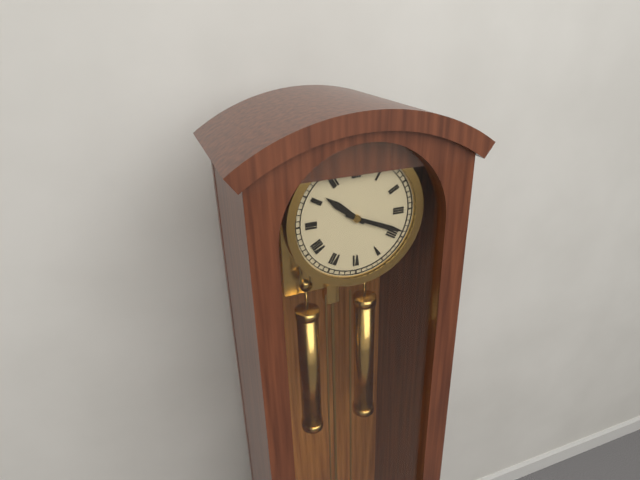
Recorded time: 10.19
